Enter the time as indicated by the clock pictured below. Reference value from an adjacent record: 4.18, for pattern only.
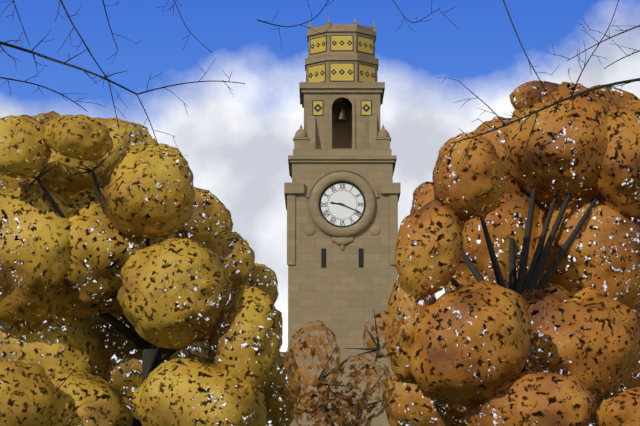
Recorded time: 9.19
